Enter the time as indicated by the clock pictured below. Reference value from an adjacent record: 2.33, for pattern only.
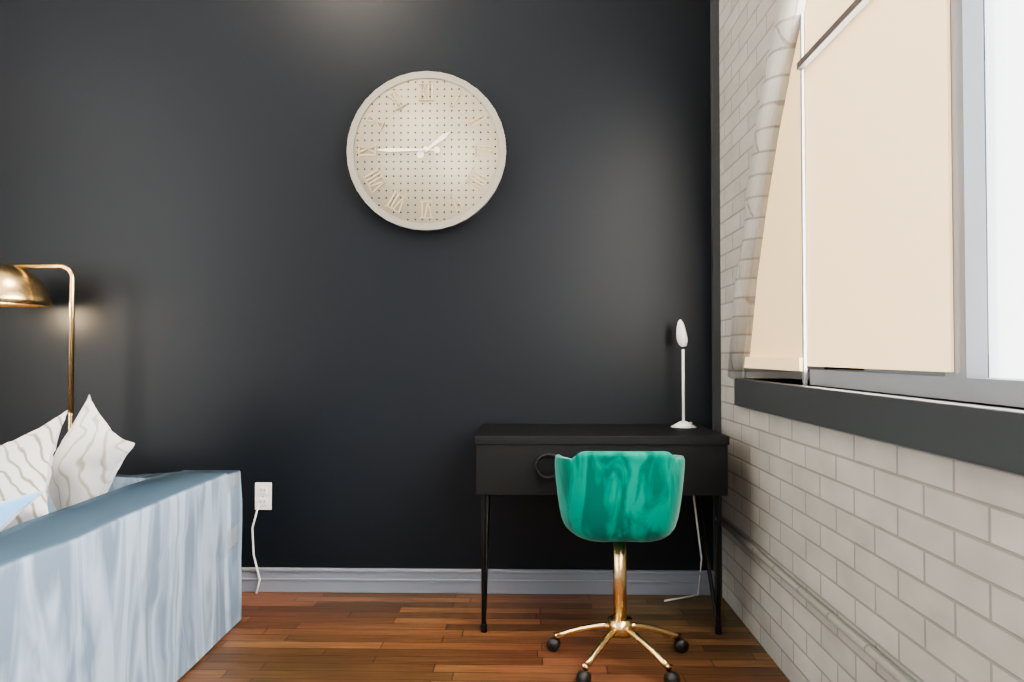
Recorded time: 1.45
